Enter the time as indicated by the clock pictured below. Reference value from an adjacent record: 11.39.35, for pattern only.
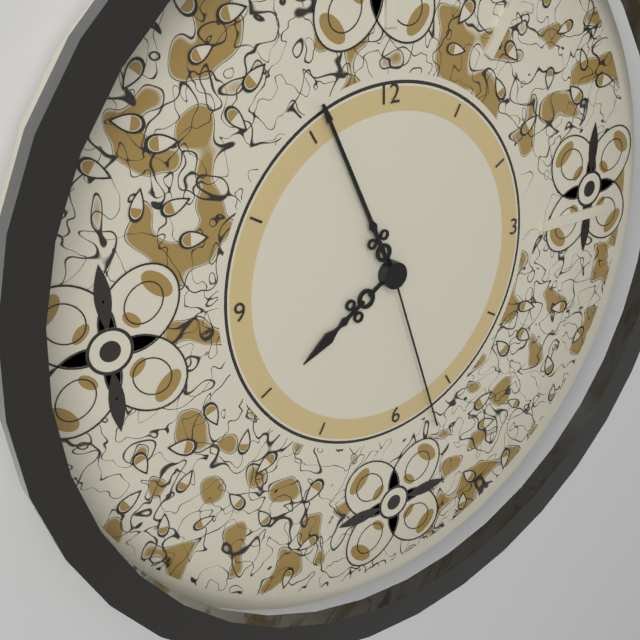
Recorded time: 7.56.27
